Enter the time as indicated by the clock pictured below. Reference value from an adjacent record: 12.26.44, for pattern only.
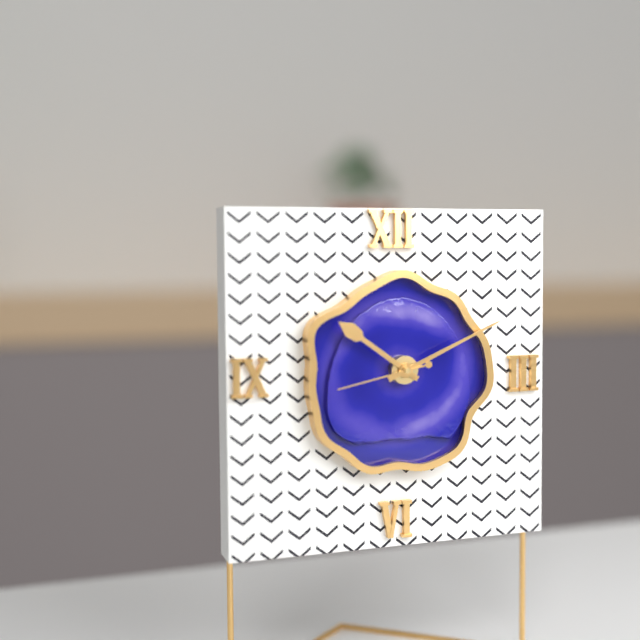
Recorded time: 10.11.43
